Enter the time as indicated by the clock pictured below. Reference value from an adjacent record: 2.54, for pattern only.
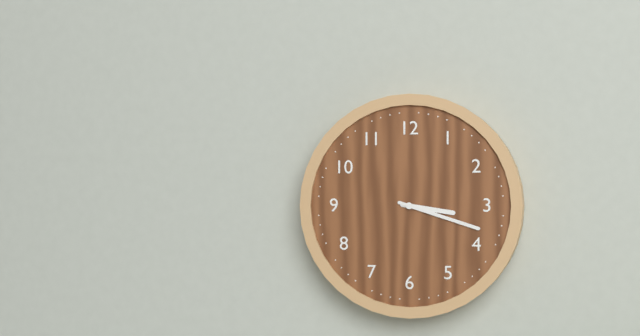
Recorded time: 3.18
